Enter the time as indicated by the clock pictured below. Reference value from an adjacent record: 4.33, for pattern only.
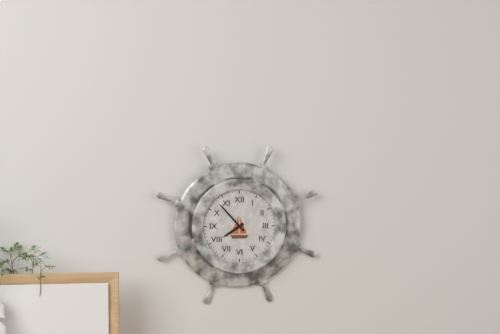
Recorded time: 7.53
